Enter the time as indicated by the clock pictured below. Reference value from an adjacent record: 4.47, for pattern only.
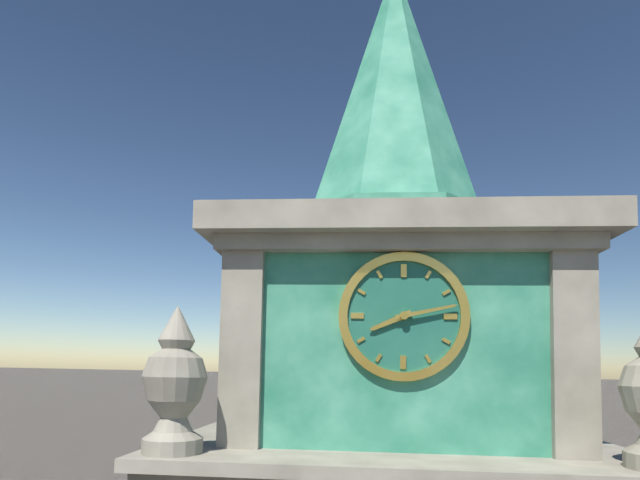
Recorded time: 8.13
